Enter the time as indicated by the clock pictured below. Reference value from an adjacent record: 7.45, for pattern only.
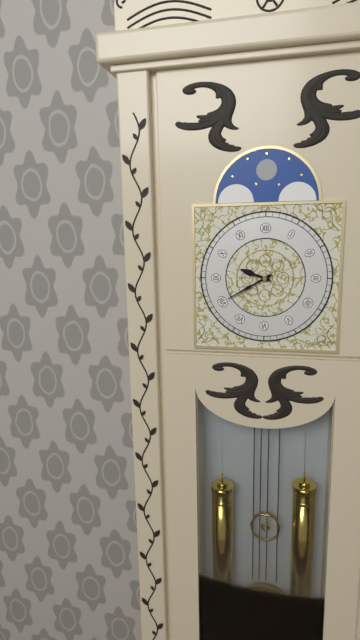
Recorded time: 9.40
